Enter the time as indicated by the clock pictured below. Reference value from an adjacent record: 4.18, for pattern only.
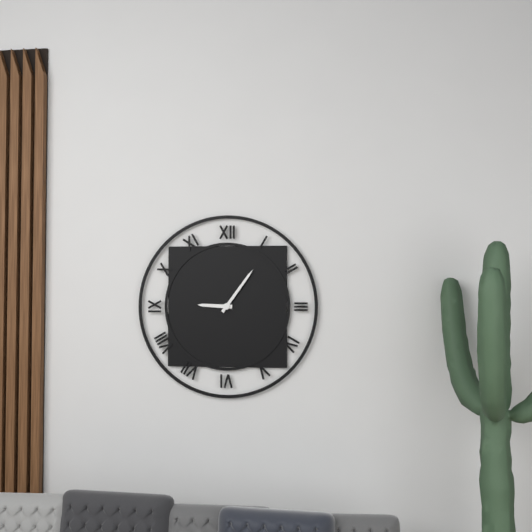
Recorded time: 9.06
